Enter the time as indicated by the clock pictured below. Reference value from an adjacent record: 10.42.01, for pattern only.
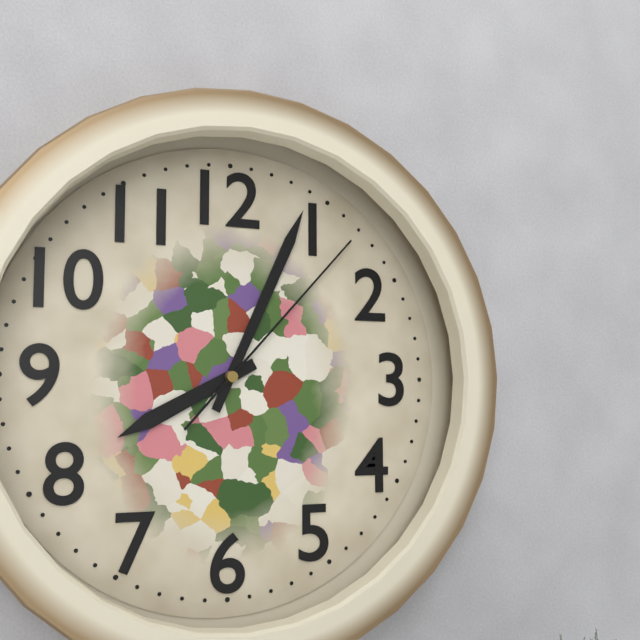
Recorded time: 8.04.07
